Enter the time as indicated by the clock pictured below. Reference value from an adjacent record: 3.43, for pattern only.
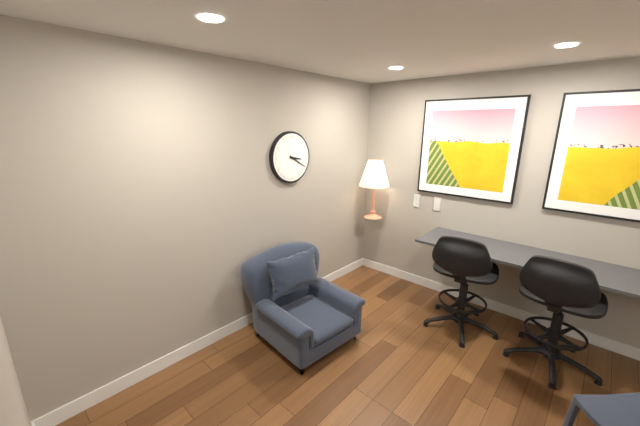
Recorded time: 3.20
